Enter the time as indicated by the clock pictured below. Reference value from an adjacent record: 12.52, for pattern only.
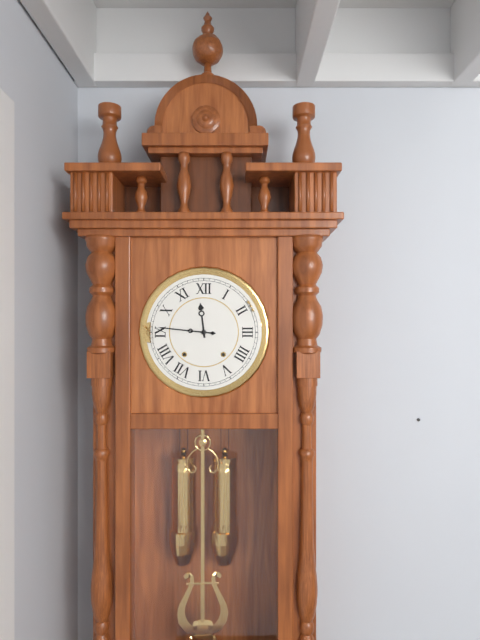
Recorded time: 11.46
